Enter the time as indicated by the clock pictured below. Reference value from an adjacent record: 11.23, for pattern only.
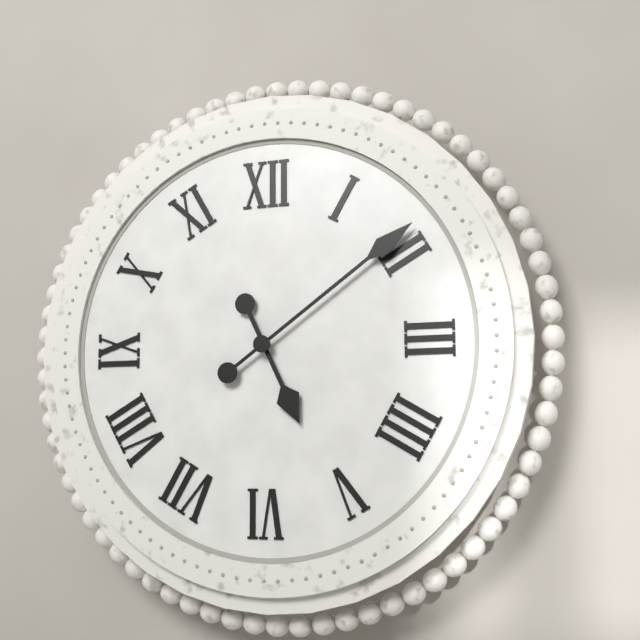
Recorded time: 5.09
